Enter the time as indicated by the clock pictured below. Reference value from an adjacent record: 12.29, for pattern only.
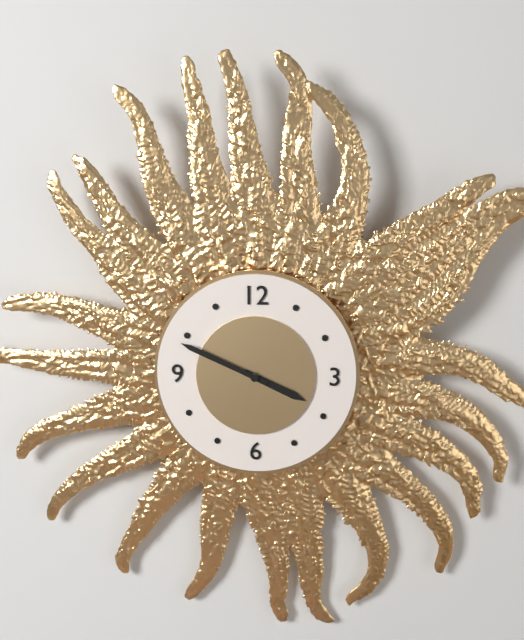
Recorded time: 3.49
